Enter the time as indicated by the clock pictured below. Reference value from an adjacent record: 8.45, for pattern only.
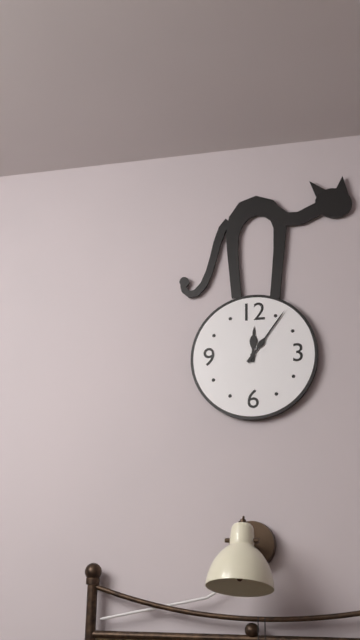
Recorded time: 12.06
